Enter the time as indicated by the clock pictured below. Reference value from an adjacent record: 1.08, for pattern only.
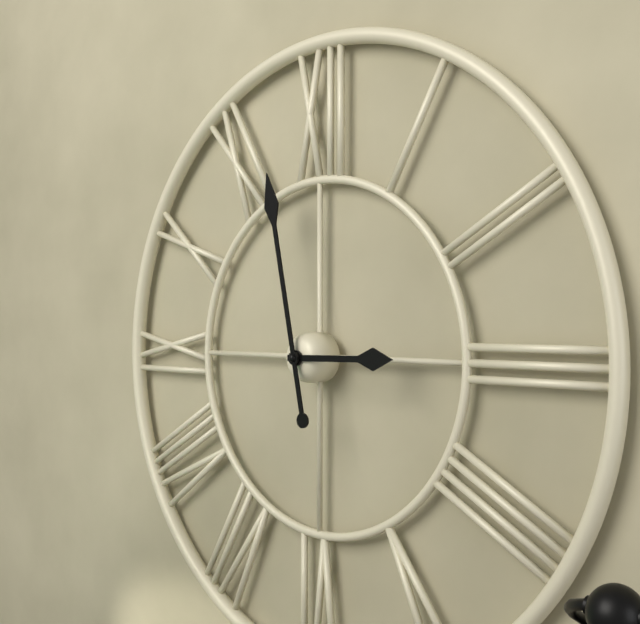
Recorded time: 2.58
